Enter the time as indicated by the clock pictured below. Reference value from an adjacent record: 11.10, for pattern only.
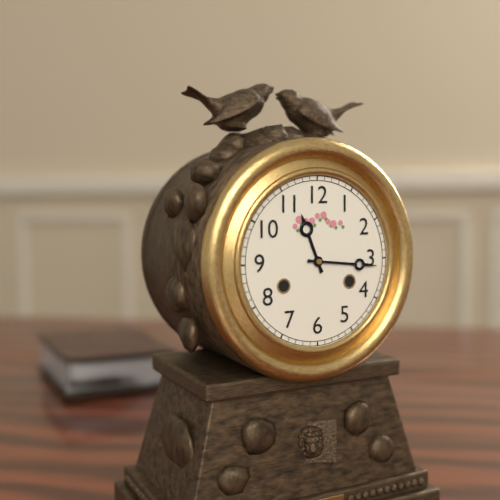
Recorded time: 11.16
